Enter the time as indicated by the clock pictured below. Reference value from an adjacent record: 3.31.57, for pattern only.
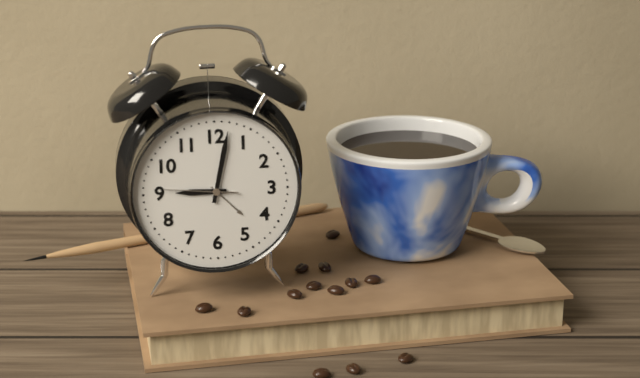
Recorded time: 9.02.46
